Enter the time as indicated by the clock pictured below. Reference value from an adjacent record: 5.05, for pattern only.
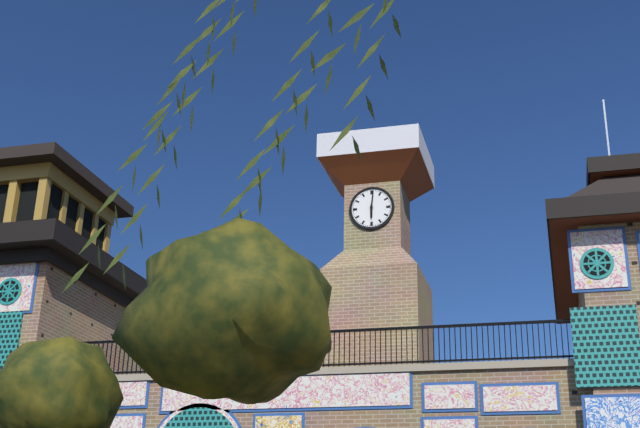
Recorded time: 6.01
